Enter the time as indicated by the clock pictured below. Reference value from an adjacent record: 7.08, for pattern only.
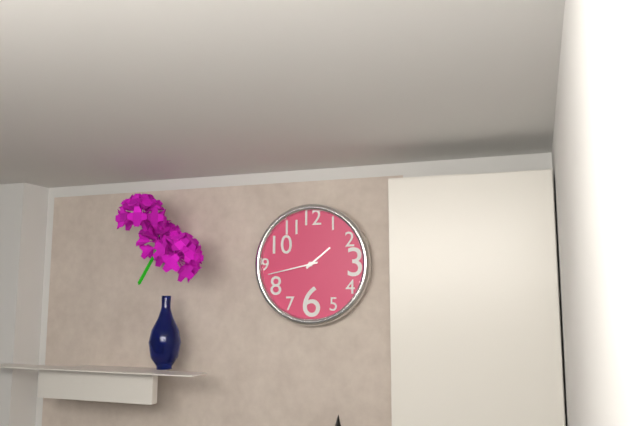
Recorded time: 1.43
